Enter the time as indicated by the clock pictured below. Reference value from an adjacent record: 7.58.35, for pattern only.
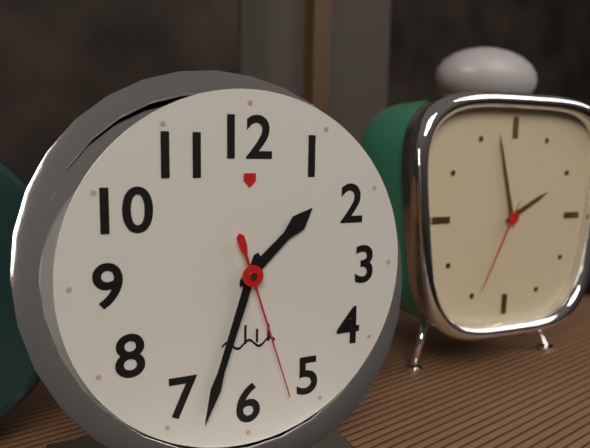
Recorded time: 1.33.27
